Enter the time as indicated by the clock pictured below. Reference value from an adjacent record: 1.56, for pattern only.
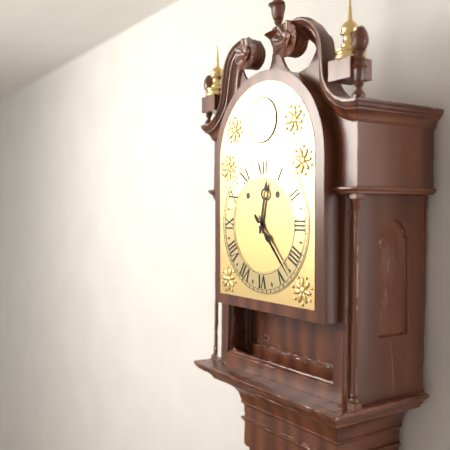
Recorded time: 12.23
